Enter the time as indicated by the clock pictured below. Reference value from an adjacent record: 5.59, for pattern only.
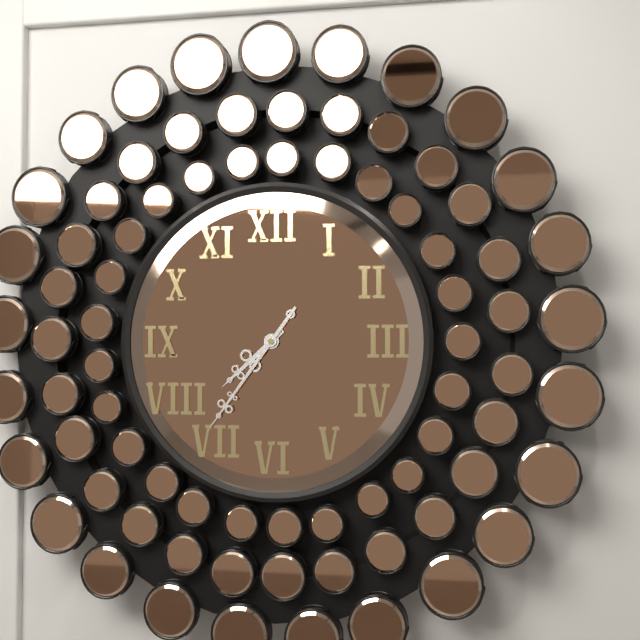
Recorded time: 7.36
